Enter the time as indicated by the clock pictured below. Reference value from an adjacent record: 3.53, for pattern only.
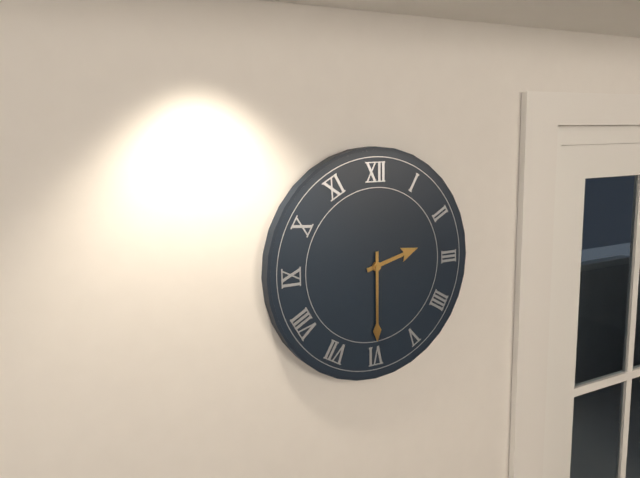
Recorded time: 2.30
